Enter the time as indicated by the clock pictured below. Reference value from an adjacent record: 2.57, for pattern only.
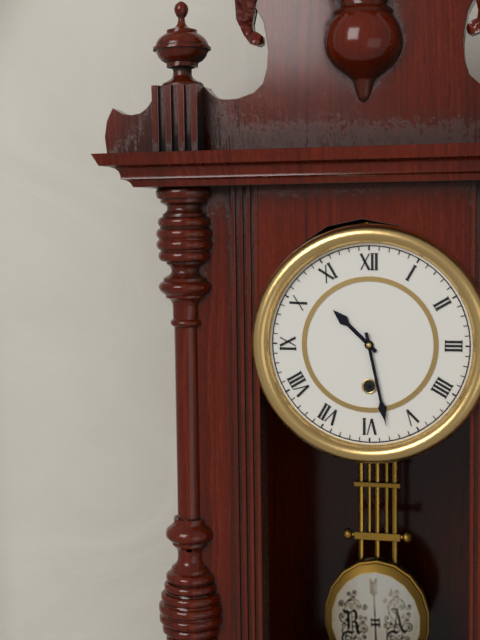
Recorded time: 10.28
